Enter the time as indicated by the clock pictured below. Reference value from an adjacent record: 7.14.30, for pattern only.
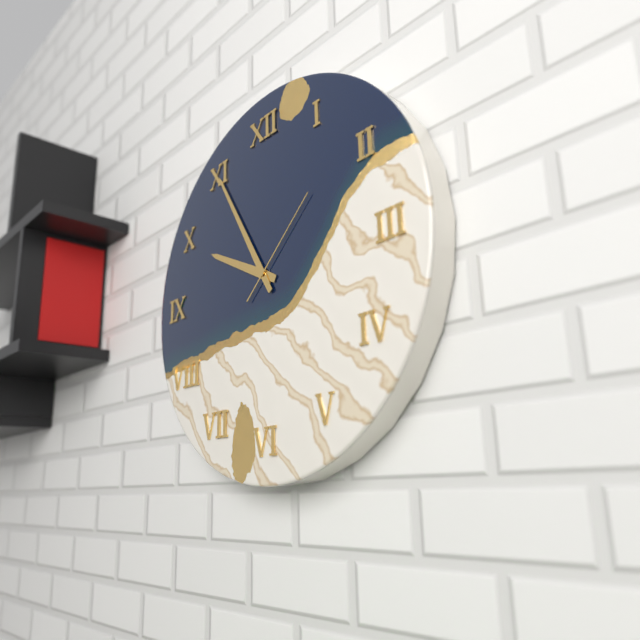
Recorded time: 9.55.08
